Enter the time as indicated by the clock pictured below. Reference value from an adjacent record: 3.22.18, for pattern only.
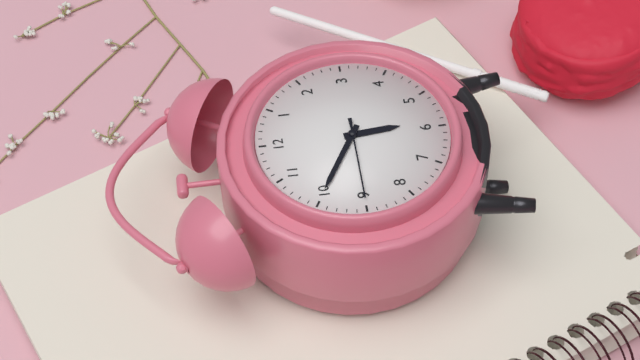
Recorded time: 5.50.45
